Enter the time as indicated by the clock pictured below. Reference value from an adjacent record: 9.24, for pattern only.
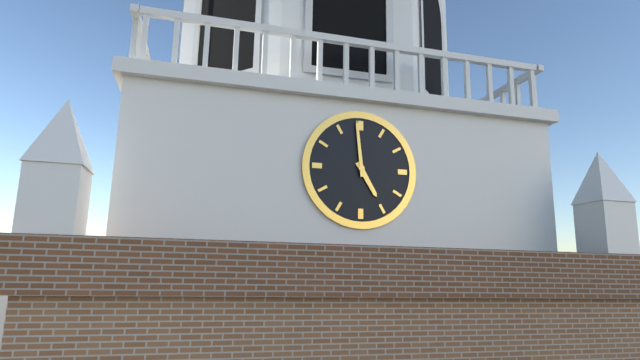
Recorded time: 4.59
